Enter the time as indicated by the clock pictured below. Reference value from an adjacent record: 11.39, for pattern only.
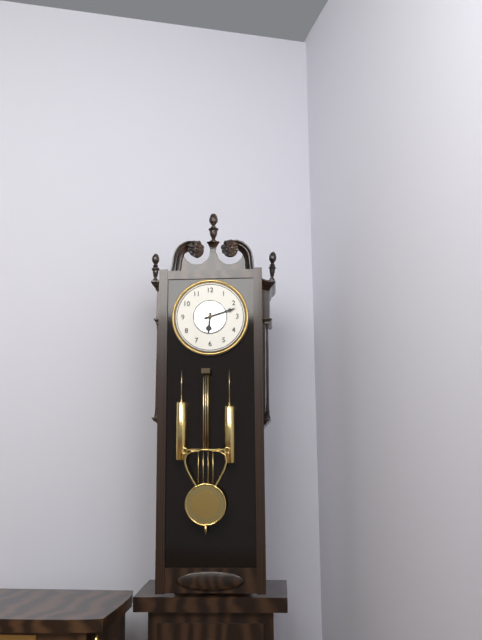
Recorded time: 6.12
